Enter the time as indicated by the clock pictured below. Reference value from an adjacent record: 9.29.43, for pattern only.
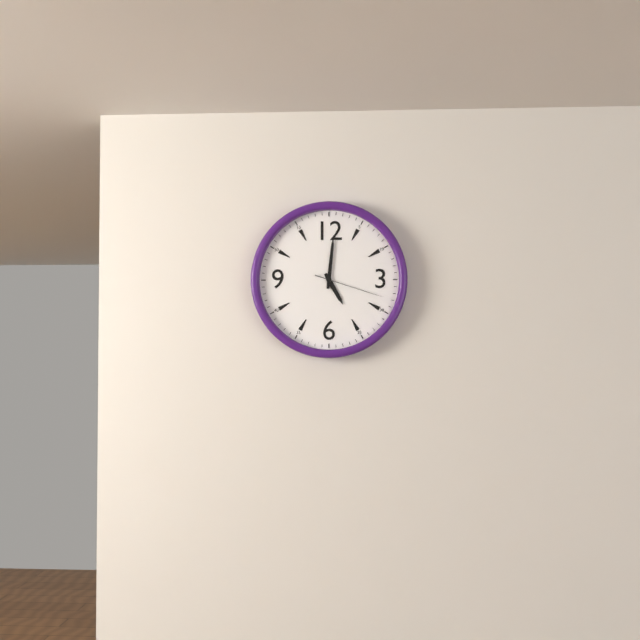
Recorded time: 5.01.18
